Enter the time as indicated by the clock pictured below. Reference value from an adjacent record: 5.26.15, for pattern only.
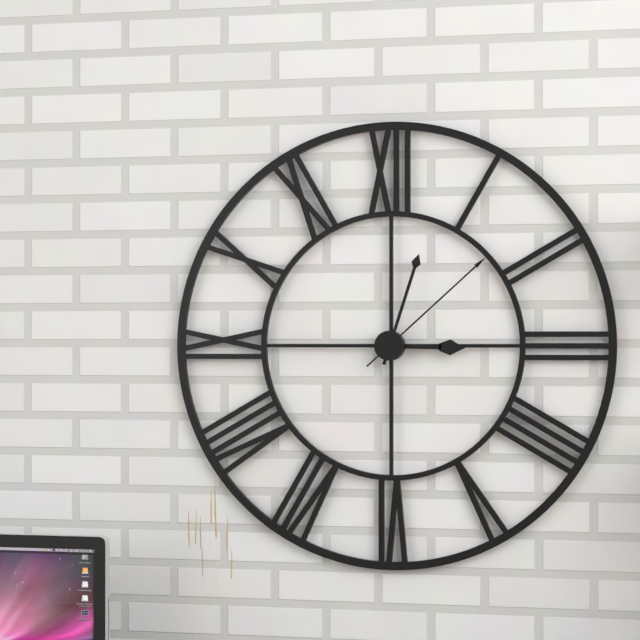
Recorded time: 3.03.08
